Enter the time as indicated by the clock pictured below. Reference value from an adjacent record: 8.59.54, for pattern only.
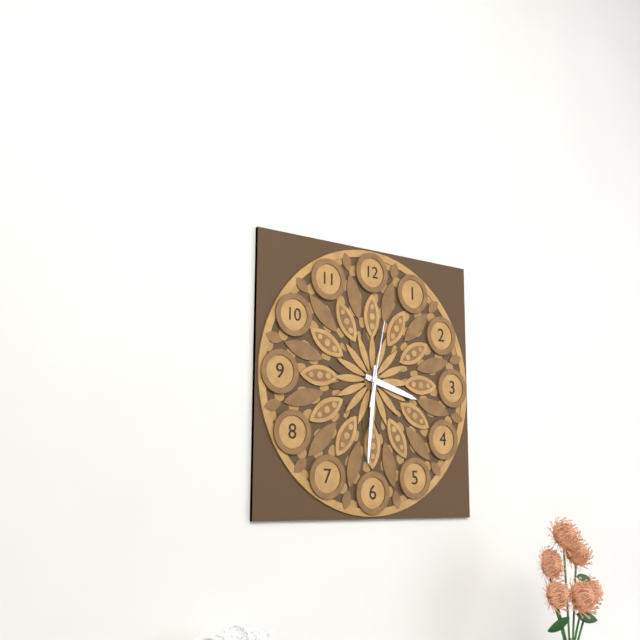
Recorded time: 3.31.02
